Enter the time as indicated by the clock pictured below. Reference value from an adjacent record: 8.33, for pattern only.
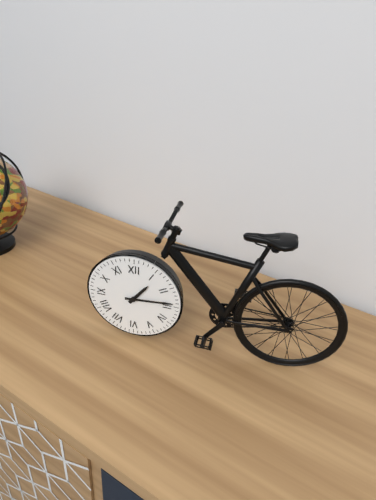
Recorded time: 1.14
